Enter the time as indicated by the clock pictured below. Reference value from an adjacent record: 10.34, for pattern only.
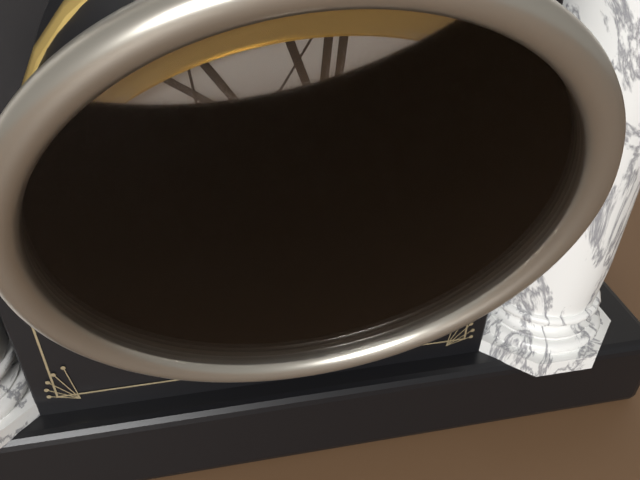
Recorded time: 10.26
